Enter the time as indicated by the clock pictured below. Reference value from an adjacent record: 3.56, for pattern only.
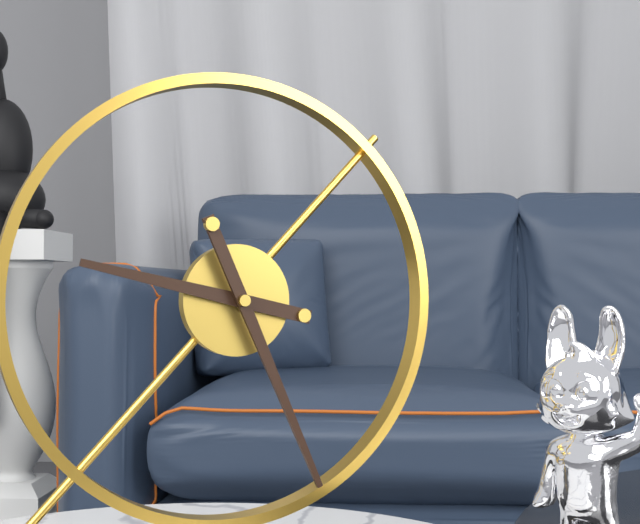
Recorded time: 9.26
